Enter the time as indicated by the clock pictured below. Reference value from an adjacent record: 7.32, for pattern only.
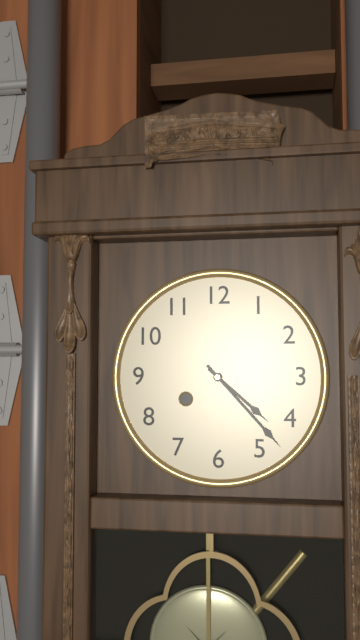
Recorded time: 4.23
